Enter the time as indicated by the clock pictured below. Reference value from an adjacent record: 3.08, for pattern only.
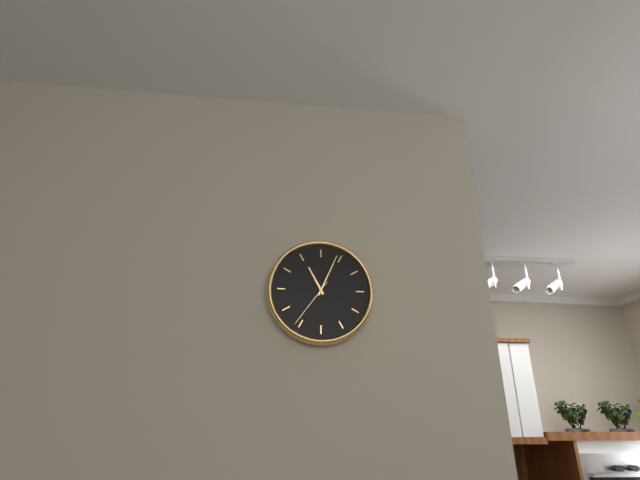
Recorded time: 11.04
